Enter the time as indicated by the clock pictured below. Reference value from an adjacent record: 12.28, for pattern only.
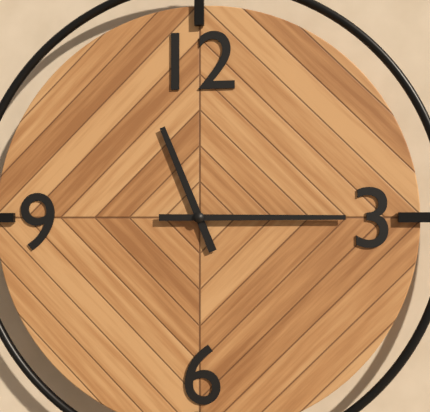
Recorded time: 11.15
